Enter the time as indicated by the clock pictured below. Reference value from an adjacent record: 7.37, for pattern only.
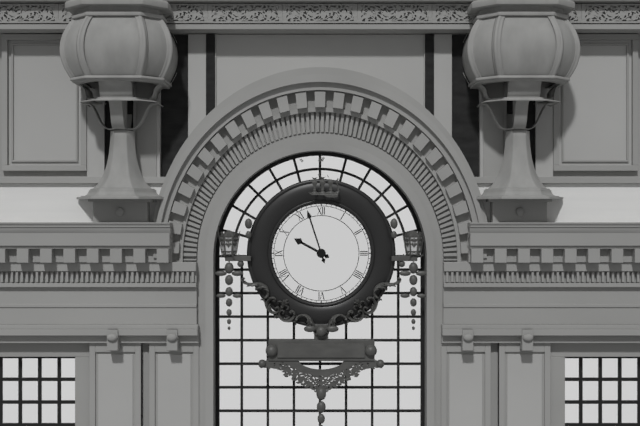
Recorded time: 9.57
